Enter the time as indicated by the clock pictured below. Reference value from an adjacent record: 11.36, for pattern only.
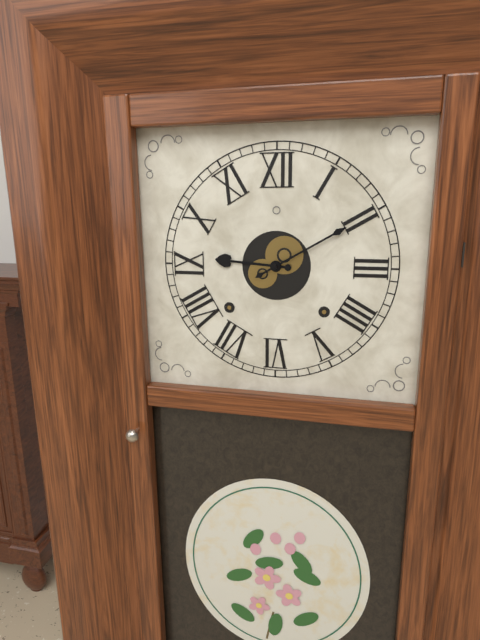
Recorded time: 9.10
